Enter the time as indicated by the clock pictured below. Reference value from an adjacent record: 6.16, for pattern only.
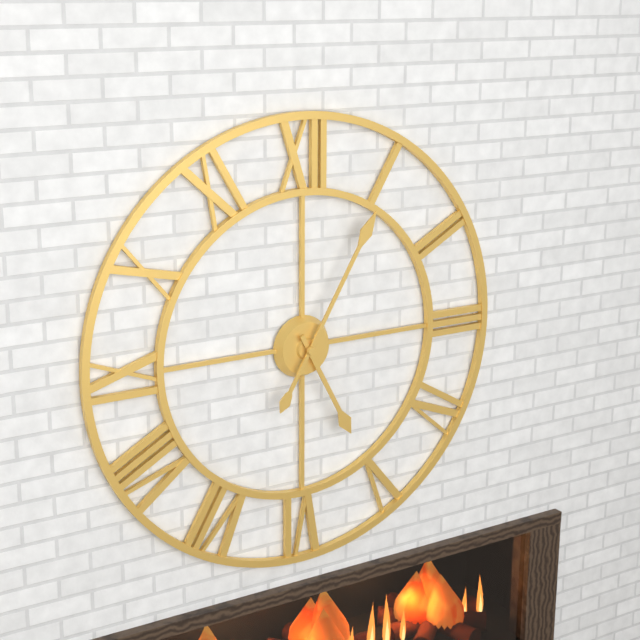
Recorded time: 5.05
